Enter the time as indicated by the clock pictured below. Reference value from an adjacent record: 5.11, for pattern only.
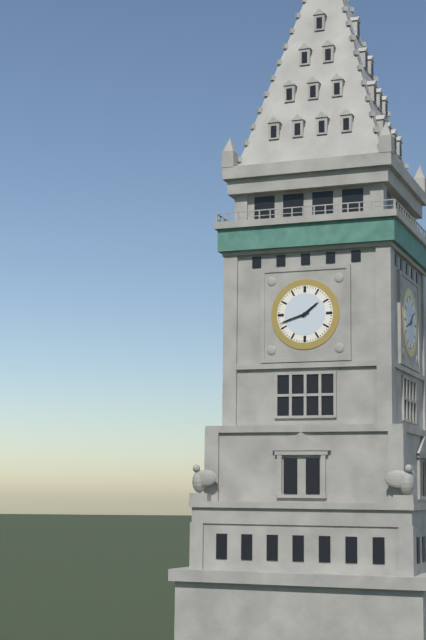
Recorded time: 1.42
